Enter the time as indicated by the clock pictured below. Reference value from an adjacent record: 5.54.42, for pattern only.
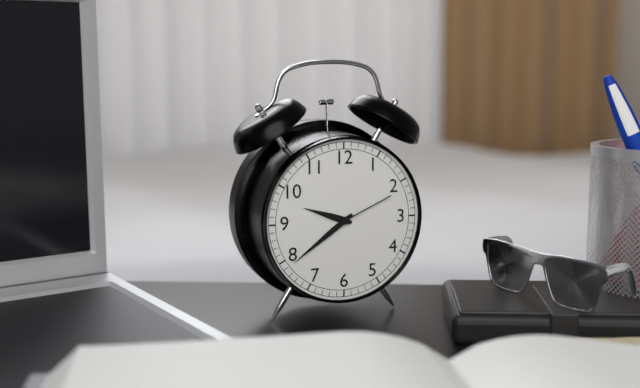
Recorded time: 9.39.11
